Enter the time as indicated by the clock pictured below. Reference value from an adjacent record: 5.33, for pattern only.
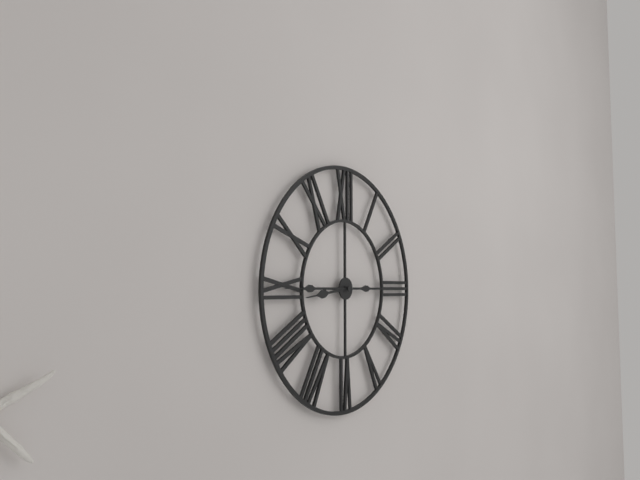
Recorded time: 8.45
